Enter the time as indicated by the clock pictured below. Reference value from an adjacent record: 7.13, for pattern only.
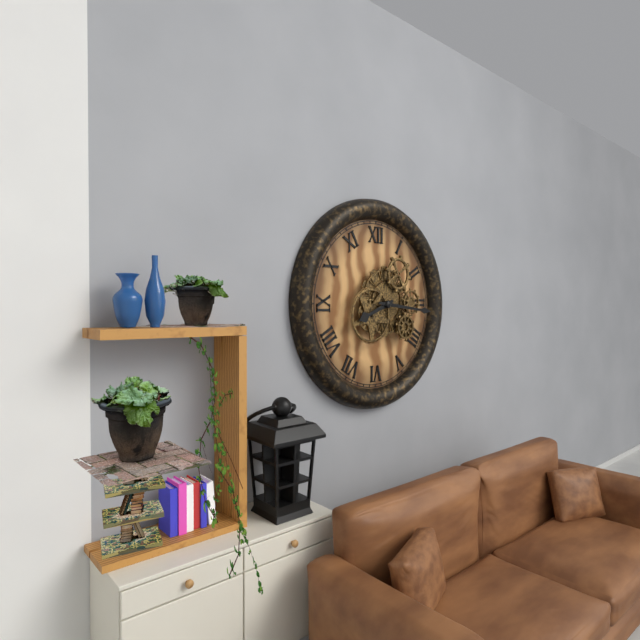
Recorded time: 8.16
